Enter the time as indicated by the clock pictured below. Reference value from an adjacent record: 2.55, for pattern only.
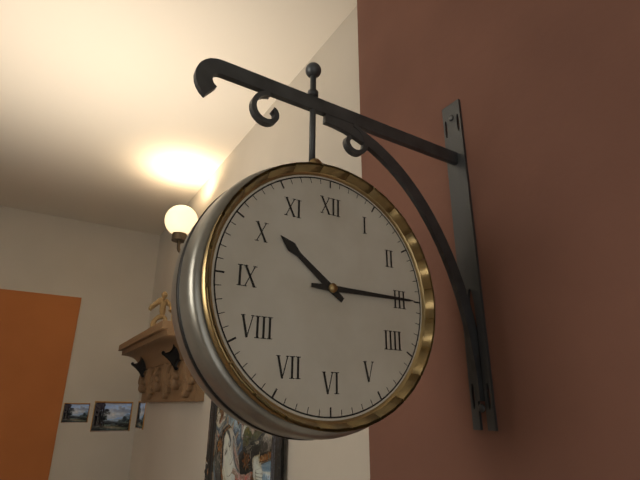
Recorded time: 10.15
